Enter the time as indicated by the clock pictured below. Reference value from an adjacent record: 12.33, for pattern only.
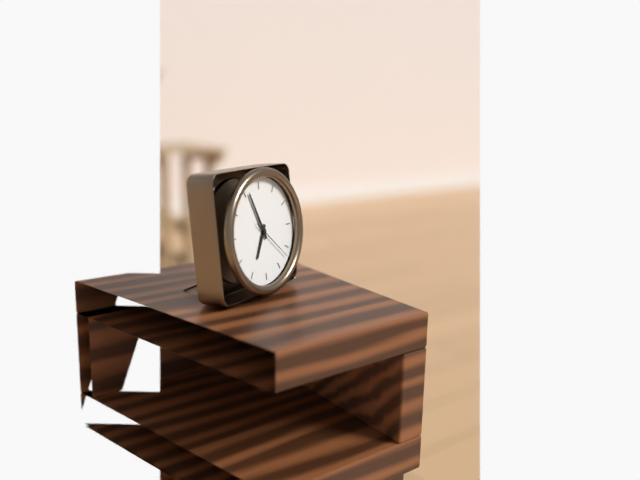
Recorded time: 6.56
